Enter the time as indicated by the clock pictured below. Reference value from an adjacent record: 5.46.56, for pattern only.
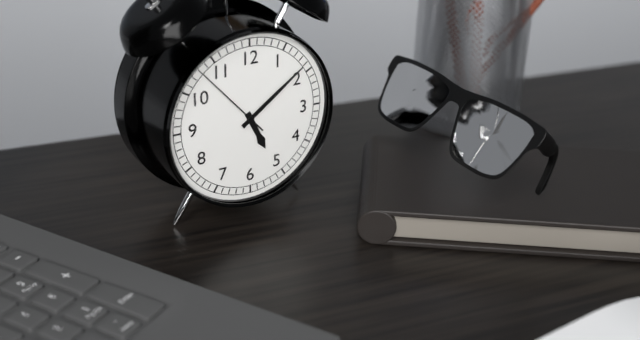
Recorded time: 5.09.53
